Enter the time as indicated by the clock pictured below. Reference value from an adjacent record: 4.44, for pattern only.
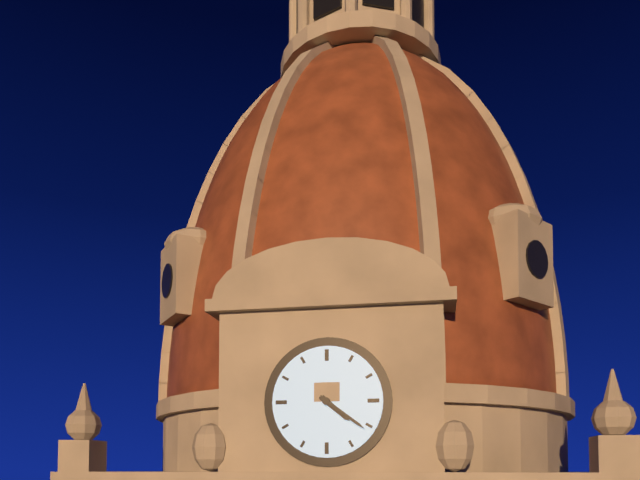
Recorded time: 4.21
